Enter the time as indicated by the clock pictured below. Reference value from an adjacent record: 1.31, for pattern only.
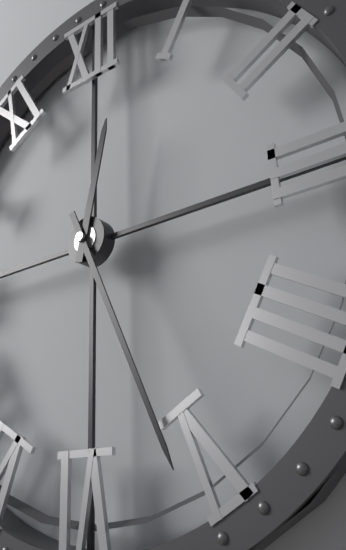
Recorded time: 12.26
